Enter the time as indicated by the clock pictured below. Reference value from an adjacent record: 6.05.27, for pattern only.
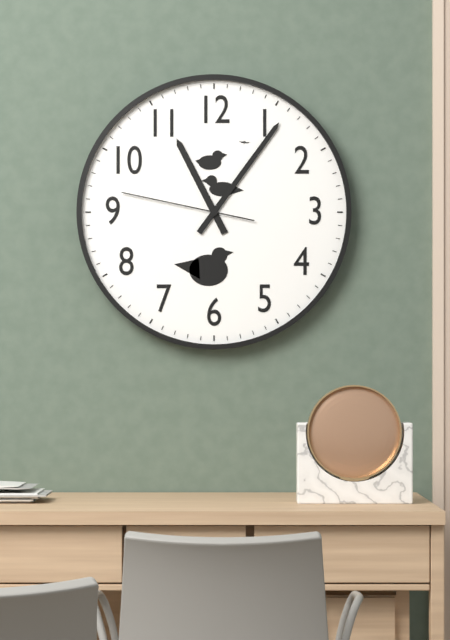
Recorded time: 11.06.47
